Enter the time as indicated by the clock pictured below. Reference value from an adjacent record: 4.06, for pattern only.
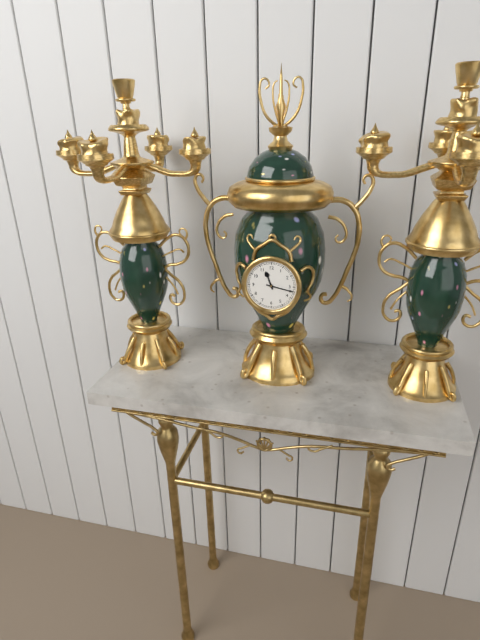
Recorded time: 11.17
